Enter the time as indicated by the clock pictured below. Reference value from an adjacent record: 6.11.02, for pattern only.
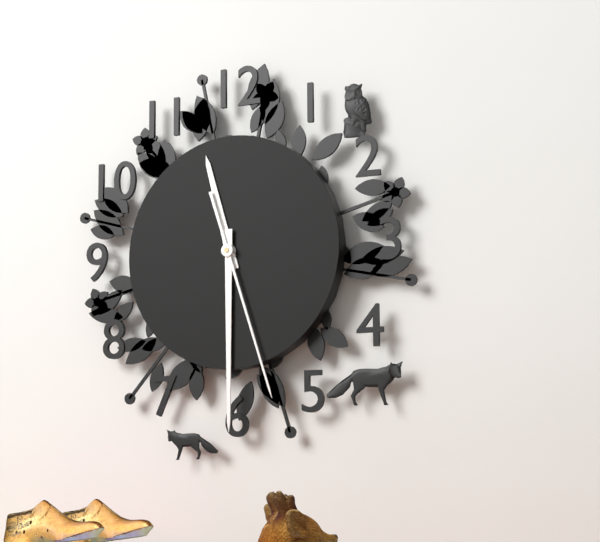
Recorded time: 11.30.27
